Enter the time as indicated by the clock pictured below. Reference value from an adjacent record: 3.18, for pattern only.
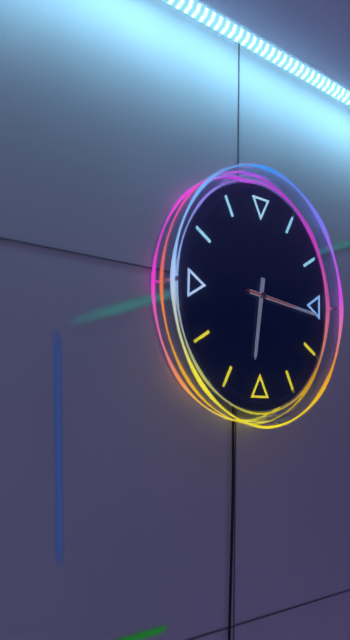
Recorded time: 6.16
